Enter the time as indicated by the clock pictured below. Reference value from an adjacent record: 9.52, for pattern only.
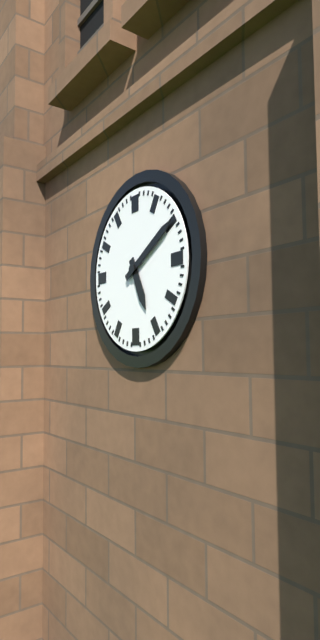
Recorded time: 5.10
